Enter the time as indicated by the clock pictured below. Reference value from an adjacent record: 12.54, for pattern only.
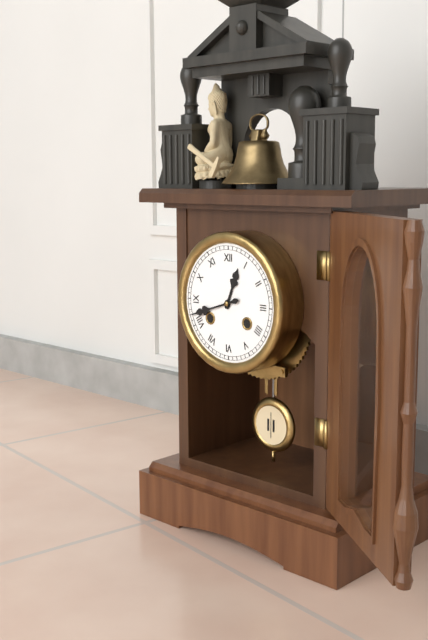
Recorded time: 12.42
